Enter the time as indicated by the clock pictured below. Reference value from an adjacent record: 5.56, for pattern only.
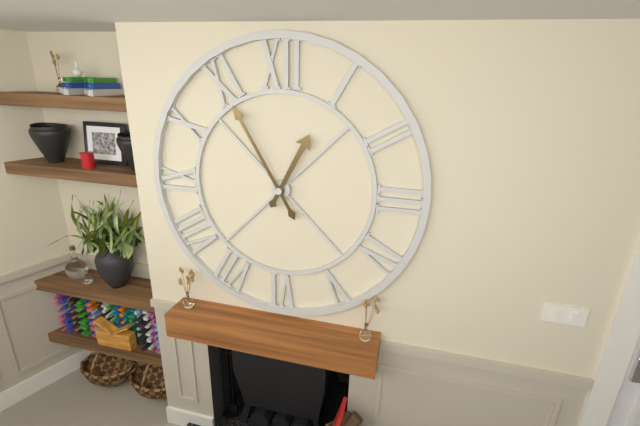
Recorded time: 12.55
